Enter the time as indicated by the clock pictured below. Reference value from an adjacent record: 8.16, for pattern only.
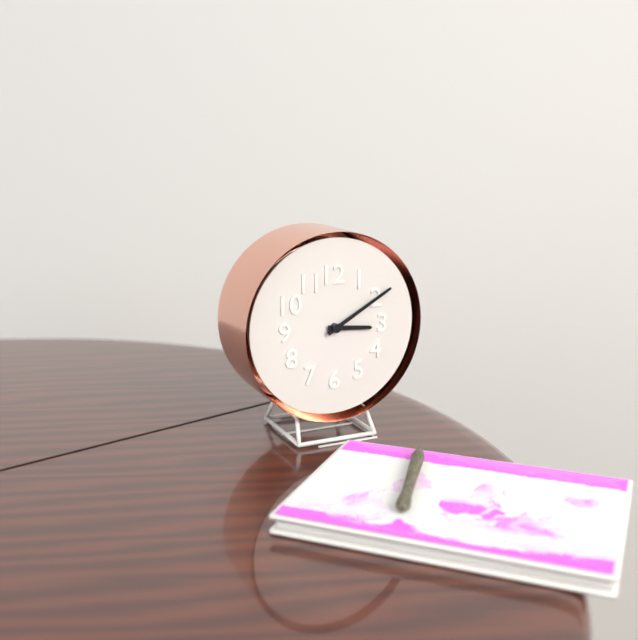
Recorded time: 3.10
